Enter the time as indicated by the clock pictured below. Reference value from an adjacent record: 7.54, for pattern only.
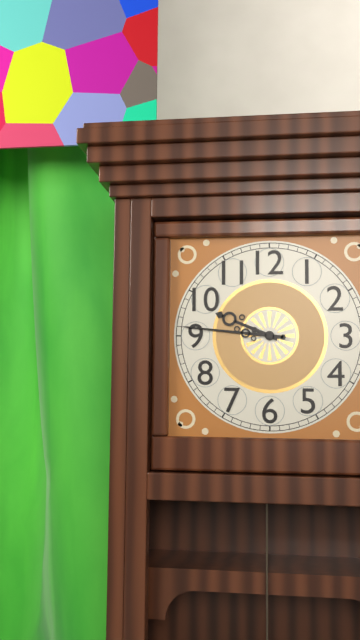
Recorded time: 9.46
